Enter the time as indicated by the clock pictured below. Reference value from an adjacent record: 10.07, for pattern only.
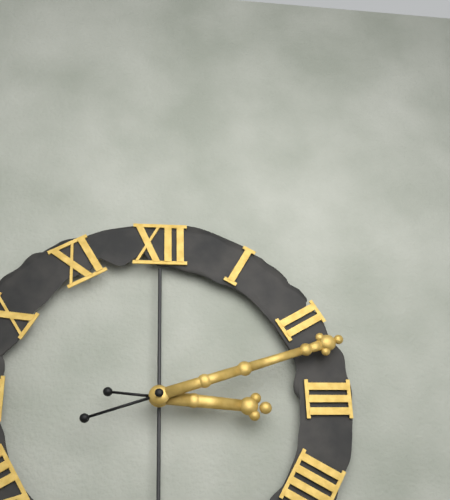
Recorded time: 3.12
